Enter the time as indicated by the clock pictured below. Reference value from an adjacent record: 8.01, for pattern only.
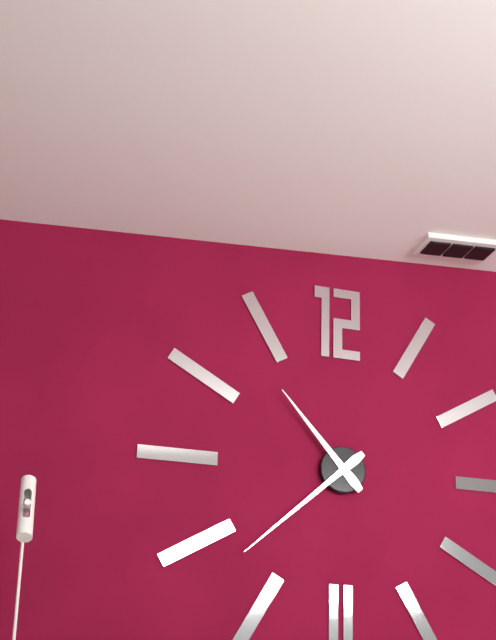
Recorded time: 10.38
